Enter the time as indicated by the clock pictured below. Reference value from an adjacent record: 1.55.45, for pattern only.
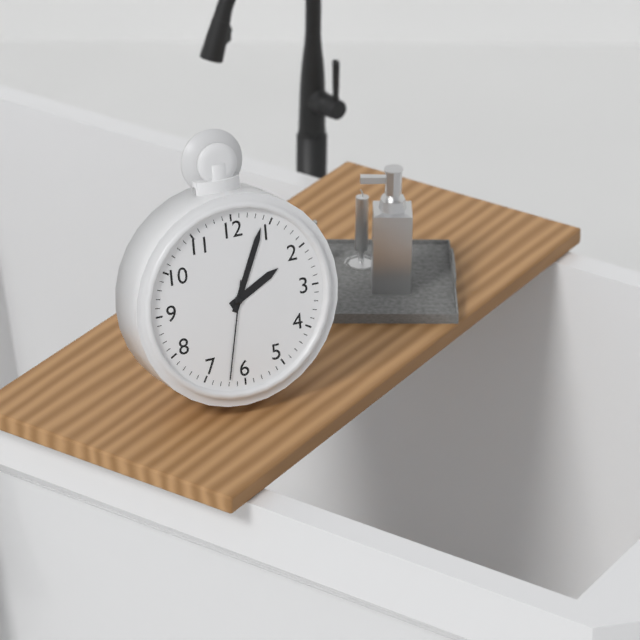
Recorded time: 2.04.32
